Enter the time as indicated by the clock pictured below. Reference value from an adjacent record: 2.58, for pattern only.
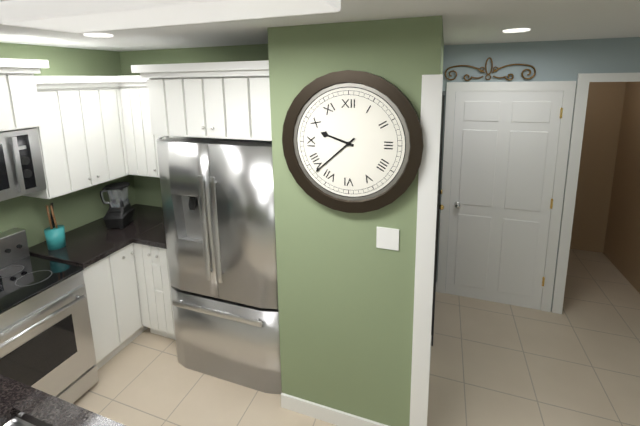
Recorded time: 9.38
